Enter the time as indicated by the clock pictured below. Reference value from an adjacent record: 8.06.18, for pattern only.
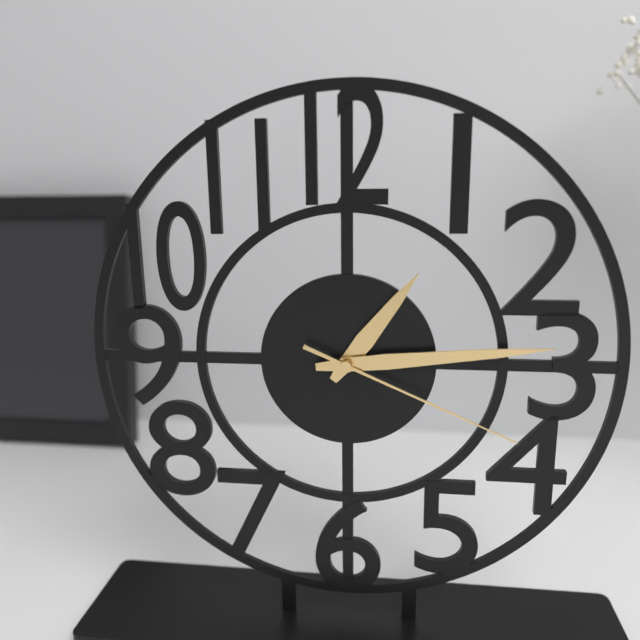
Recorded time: 1.14.19
